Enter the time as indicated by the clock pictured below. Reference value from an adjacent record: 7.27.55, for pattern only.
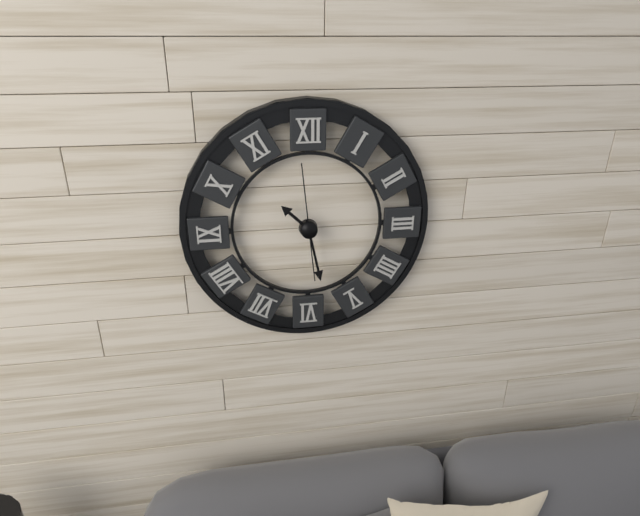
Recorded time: 10.28.59
